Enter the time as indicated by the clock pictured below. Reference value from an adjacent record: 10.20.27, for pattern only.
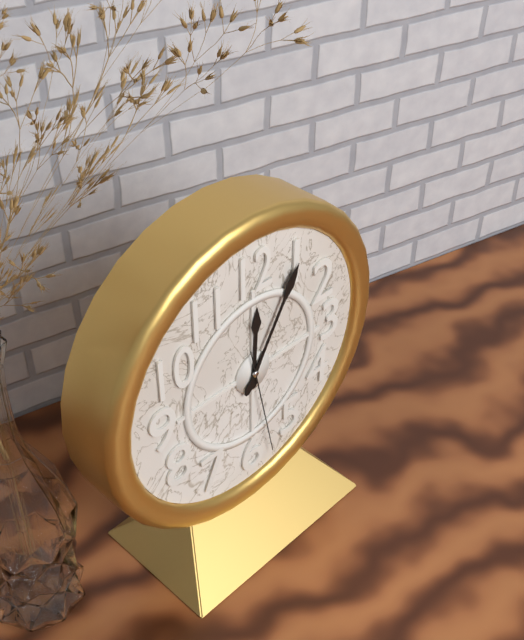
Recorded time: 12.05.28
